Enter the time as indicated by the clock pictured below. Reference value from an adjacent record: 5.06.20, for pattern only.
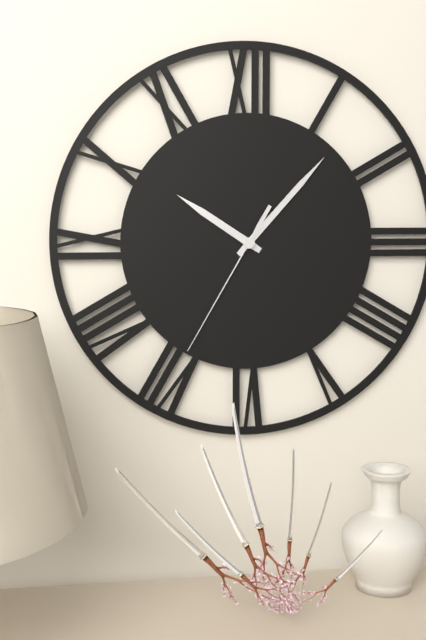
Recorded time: 10.07.35
